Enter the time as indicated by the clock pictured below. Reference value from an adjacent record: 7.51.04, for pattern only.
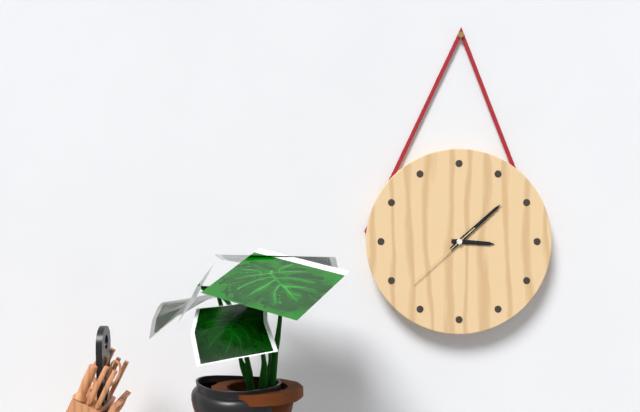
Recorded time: 3.08.38
